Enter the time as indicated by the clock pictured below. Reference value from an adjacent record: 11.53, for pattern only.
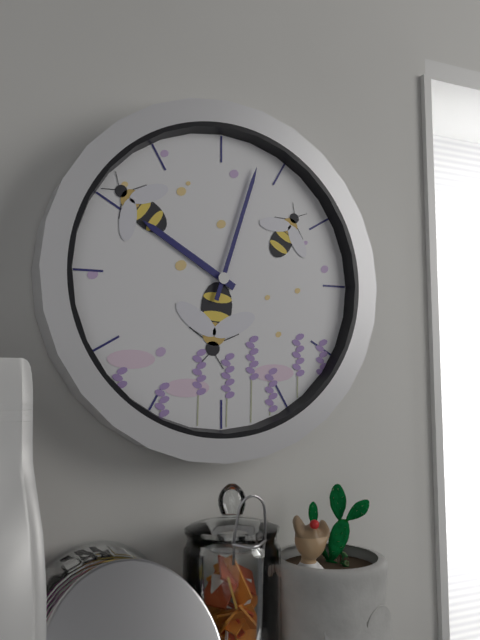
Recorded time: 10.03
